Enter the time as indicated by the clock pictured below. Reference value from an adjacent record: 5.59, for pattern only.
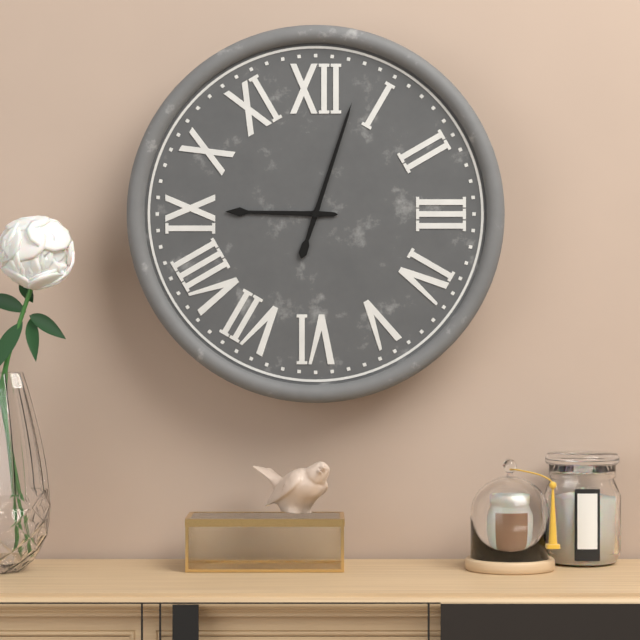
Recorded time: 9.03
